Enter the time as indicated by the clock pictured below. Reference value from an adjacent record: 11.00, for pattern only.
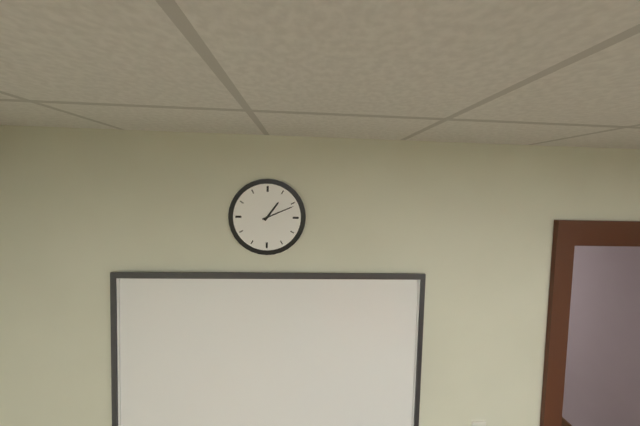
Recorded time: 1.11
